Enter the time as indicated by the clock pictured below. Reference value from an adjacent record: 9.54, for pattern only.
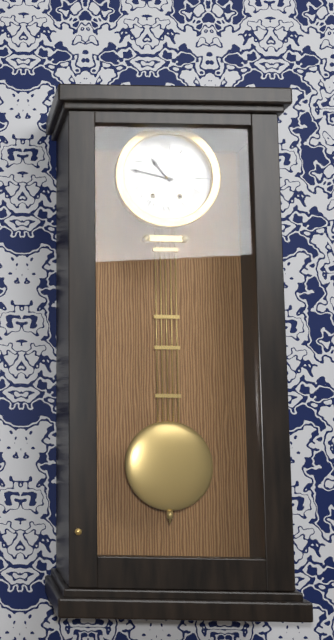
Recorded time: 10.47
